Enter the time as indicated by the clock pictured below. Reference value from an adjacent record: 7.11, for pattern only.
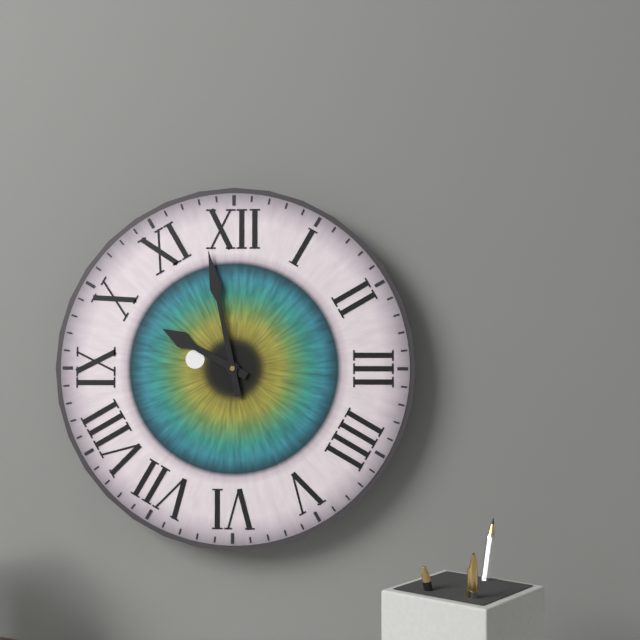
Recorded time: 9.58
